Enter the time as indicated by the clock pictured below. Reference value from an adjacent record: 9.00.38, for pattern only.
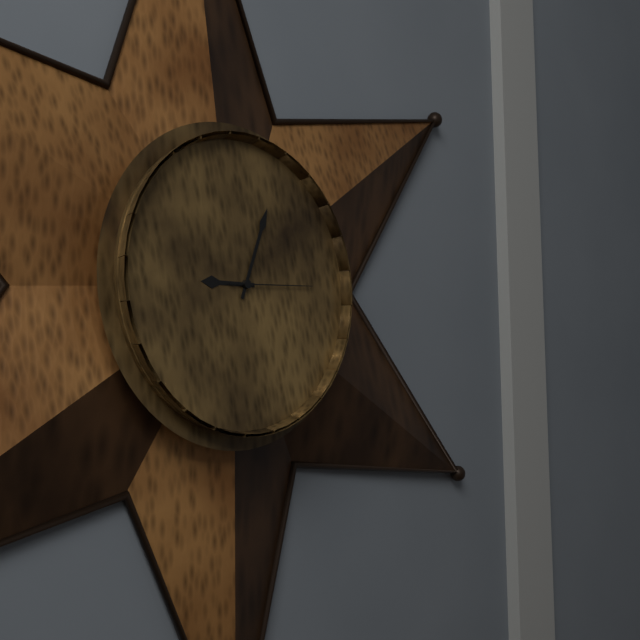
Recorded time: 9.04.15
